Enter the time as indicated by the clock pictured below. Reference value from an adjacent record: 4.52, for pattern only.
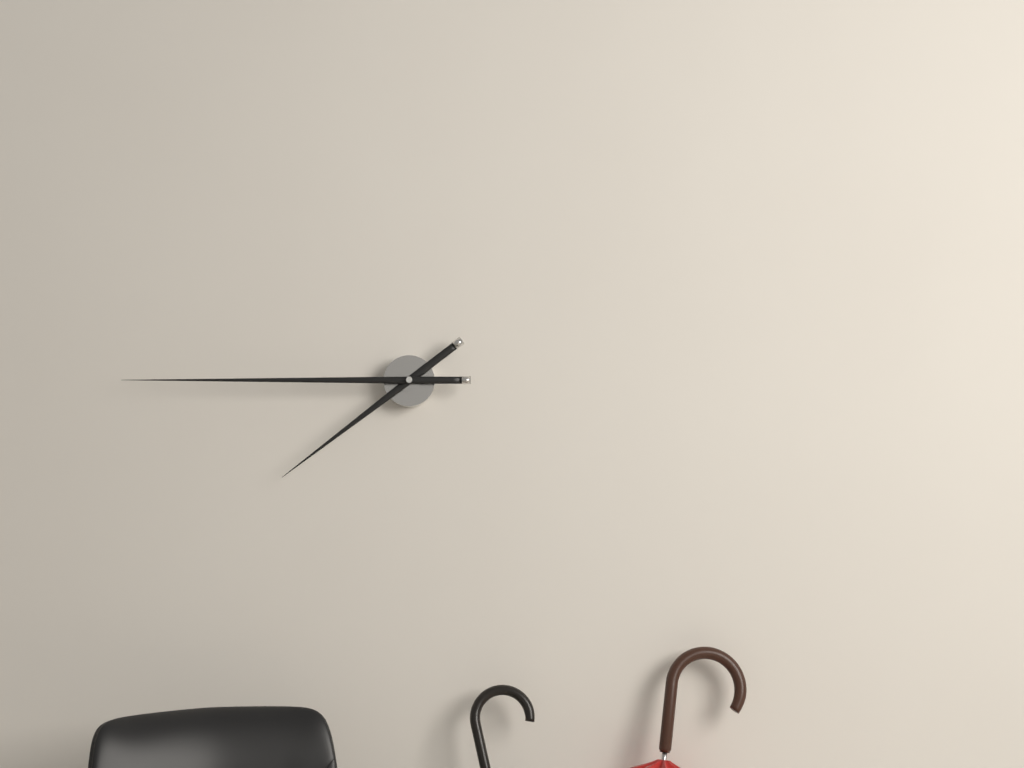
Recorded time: 7.45
